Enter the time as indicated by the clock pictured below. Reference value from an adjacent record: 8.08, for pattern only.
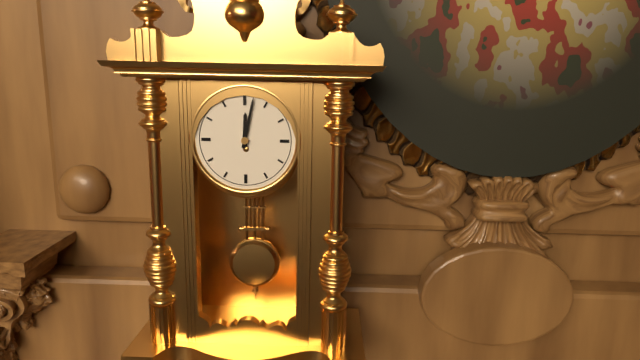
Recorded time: 12.02
